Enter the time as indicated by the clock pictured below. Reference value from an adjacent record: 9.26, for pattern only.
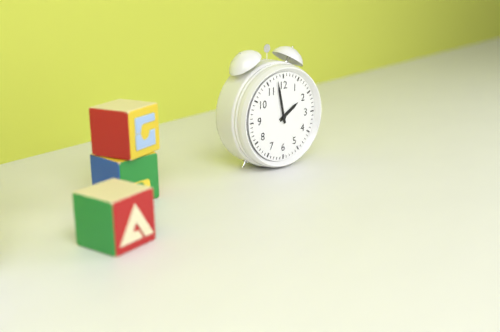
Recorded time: 1.58
